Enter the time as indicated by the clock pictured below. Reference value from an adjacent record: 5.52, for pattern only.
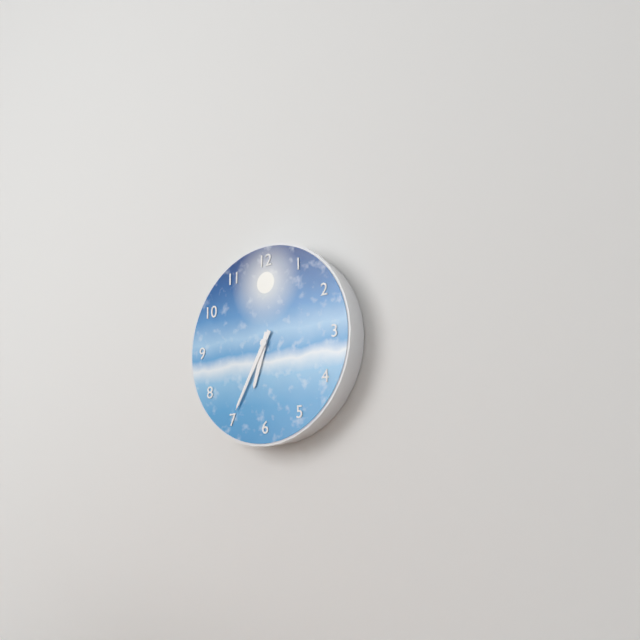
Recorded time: 6.35
